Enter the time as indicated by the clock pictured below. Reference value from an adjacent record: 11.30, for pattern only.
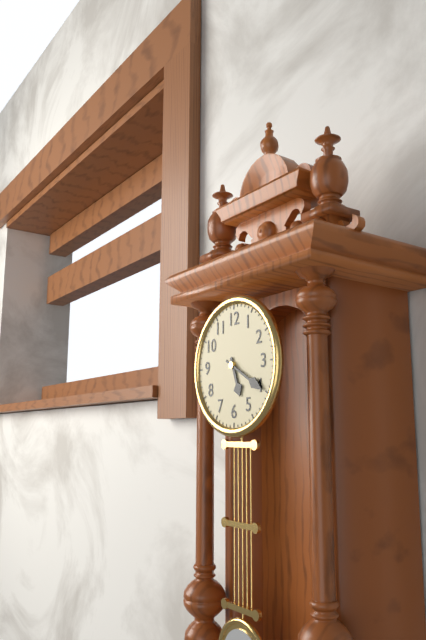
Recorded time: 5.20
